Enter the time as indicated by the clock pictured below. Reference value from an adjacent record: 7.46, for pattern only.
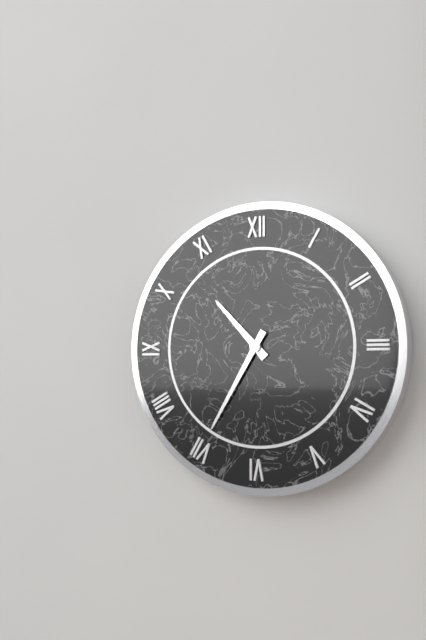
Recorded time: 10.35
